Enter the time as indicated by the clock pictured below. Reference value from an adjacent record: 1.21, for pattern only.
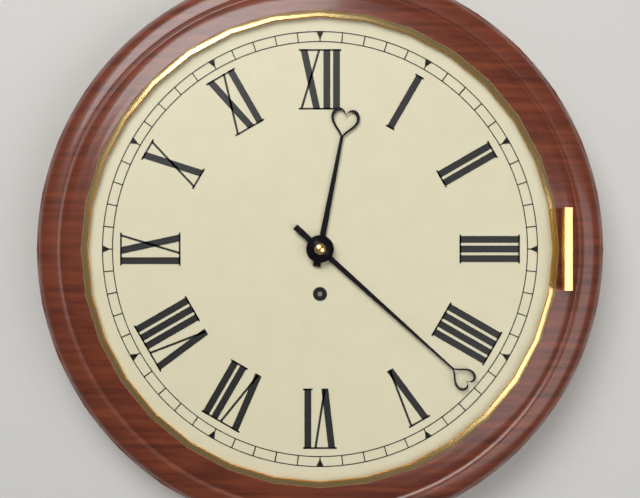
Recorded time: 12.22
